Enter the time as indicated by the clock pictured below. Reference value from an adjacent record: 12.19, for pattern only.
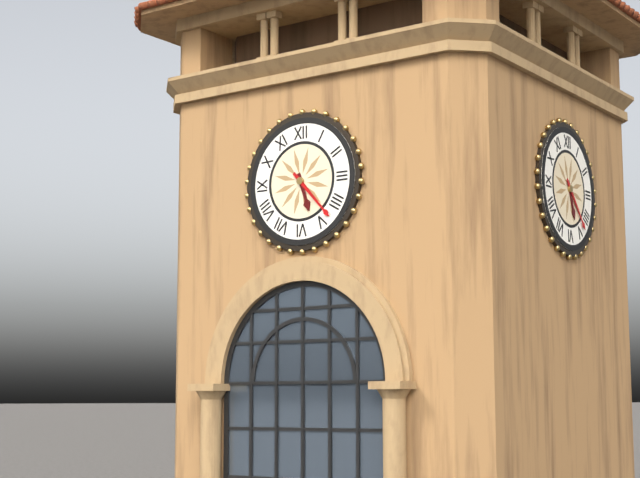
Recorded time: 5.23
